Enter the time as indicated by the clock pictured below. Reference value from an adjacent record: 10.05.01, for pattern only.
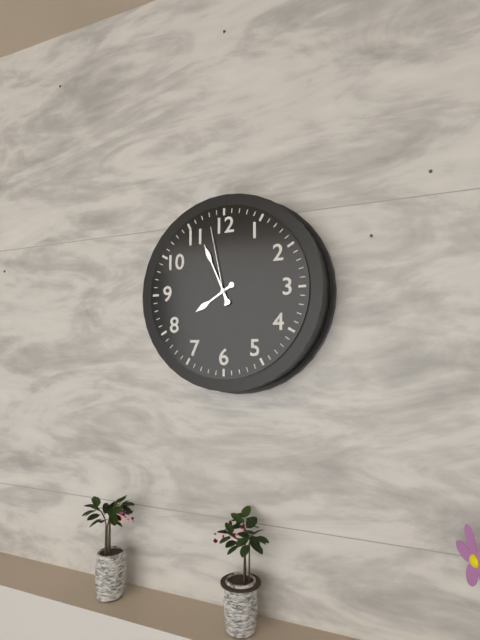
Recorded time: 7.56.58
